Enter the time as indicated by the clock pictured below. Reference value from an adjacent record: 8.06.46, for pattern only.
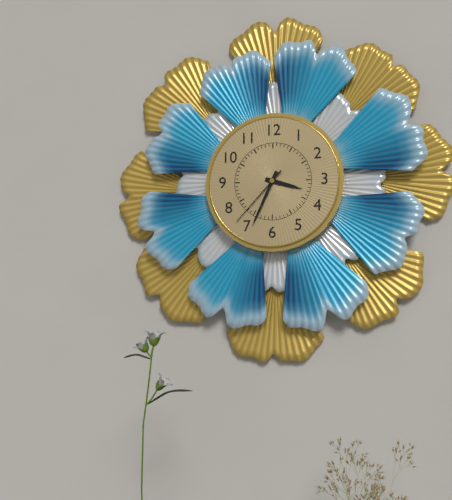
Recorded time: 3.34.37
